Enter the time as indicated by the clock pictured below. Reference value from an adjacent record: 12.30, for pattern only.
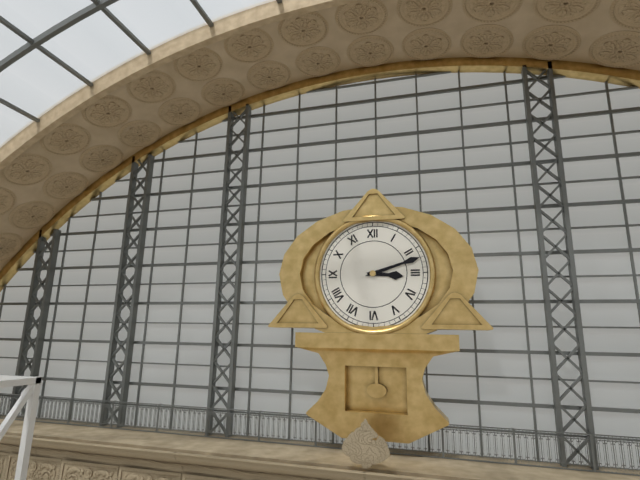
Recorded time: 3.12
